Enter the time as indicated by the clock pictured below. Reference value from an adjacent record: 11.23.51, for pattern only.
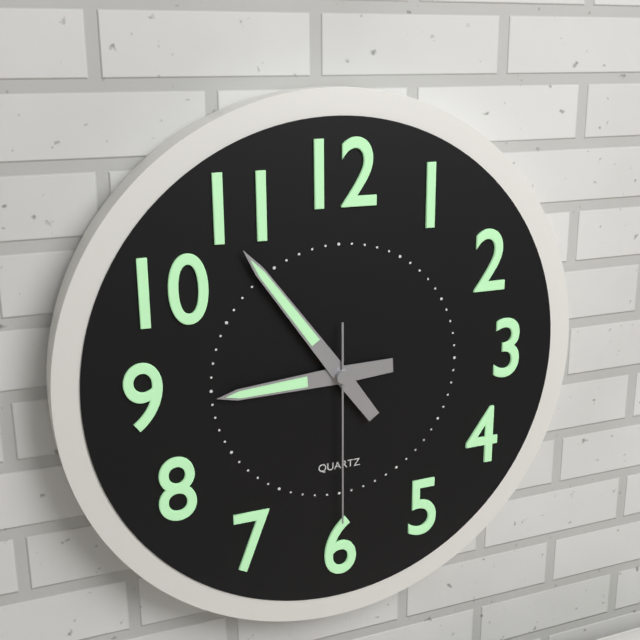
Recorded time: 8.54.30
